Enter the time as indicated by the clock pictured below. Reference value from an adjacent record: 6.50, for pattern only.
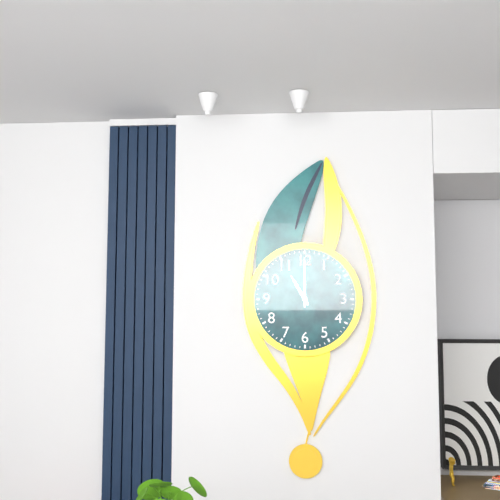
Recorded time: 11.00
